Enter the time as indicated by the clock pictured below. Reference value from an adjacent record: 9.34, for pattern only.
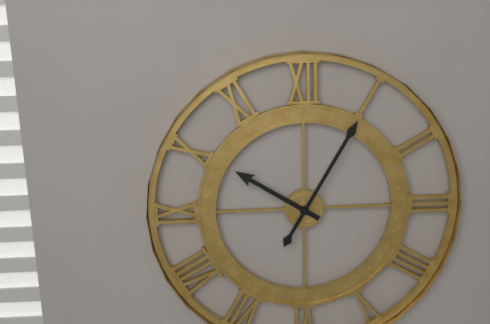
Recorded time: 10.05
